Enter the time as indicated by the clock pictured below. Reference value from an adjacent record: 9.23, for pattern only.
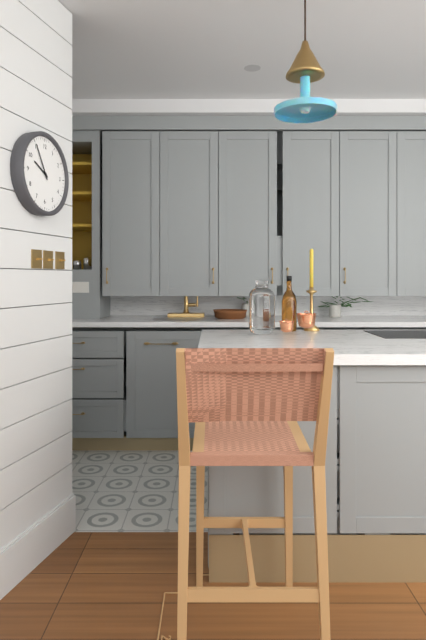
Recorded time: 9.55
